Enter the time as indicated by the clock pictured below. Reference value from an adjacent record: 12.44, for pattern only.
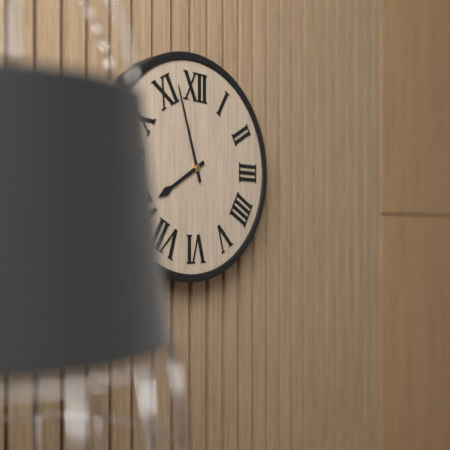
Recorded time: 7.57
